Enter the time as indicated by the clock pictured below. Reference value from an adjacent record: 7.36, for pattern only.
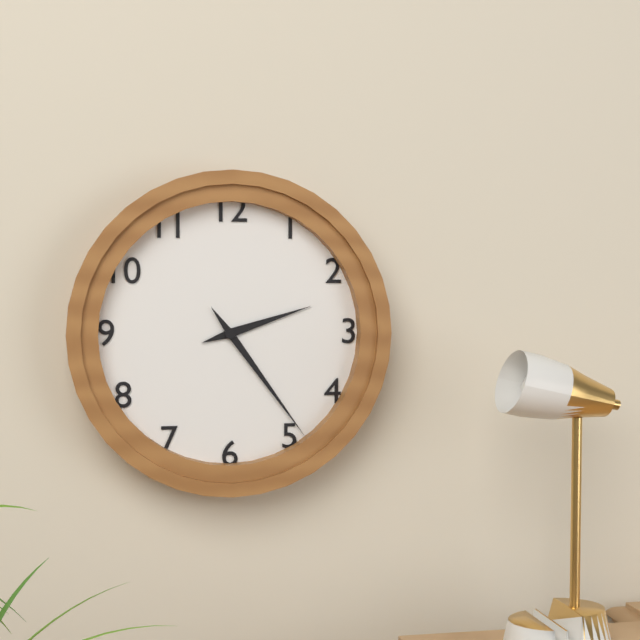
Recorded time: 2.24
